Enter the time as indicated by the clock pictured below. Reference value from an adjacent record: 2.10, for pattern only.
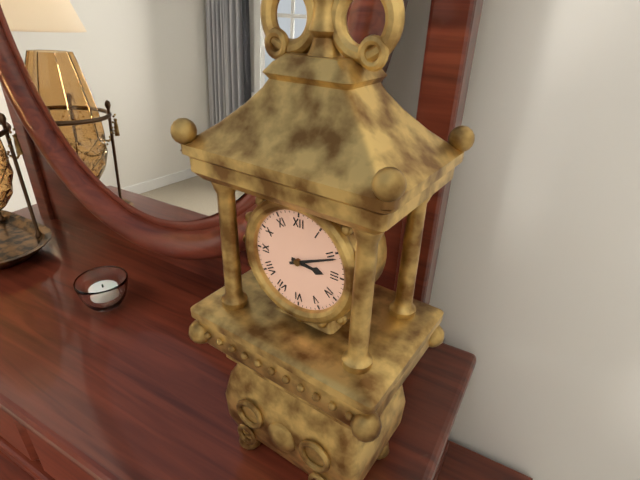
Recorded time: 3.11
